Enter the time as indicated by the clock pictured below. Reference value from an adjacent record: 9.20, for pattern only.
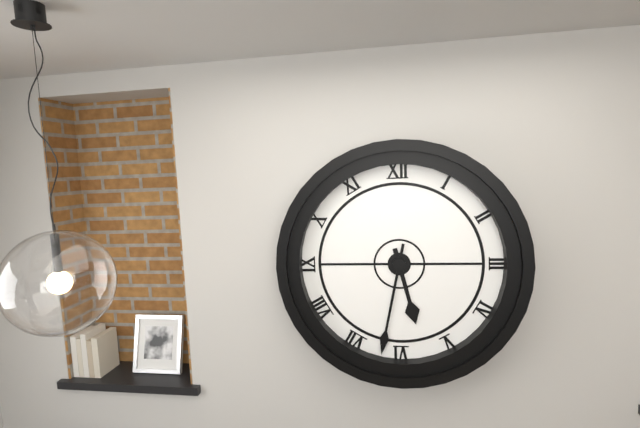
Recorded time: 5.32
